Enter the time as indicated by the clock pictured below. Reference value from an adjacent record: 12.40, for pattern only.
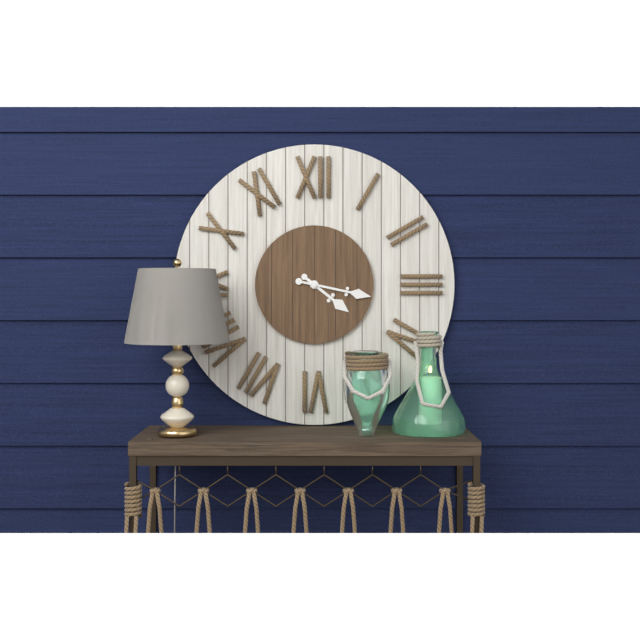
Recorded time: 4.17
